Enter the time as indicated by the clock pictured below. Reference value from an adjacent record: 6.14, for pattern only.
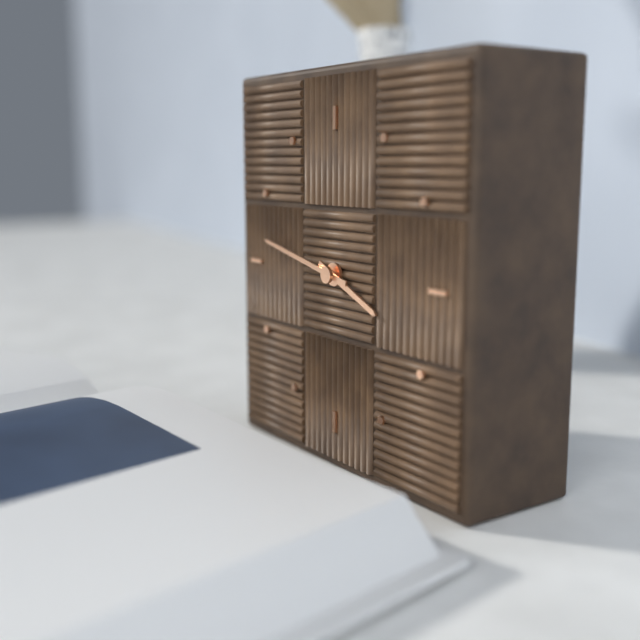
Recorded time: 3.47
